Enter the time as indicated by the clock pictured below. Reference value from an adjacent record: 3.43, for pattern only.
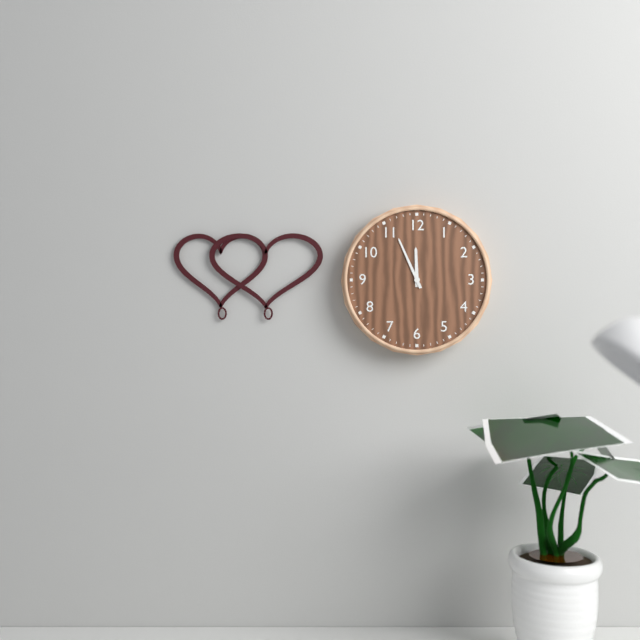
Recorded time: 11.56
